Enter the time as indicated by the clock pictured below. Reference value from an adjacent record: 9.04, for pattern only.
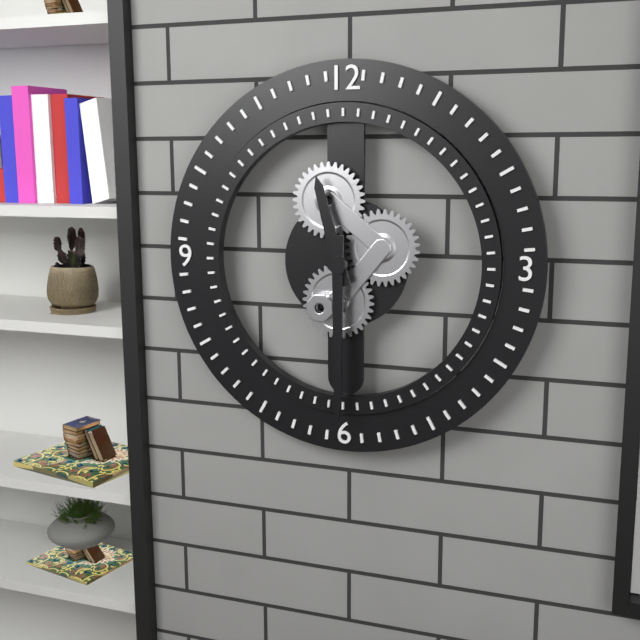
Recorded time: 11.30
